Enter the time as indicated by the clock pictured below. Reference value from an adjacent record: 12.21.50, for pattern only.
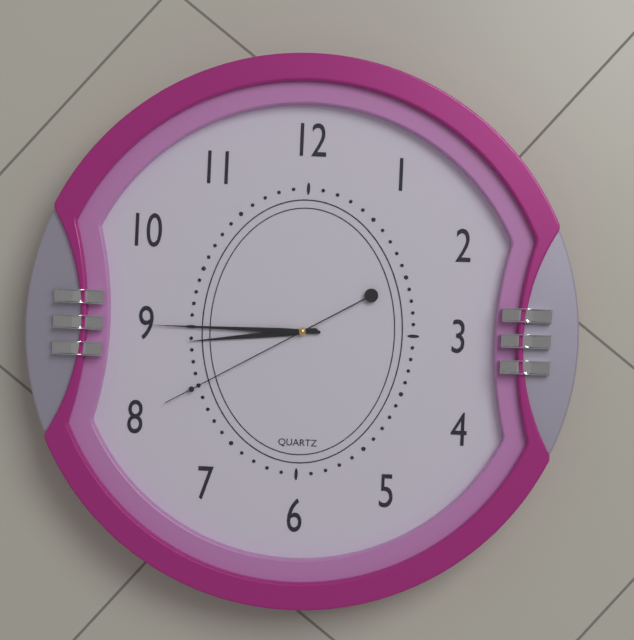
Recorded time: 8.45.40
